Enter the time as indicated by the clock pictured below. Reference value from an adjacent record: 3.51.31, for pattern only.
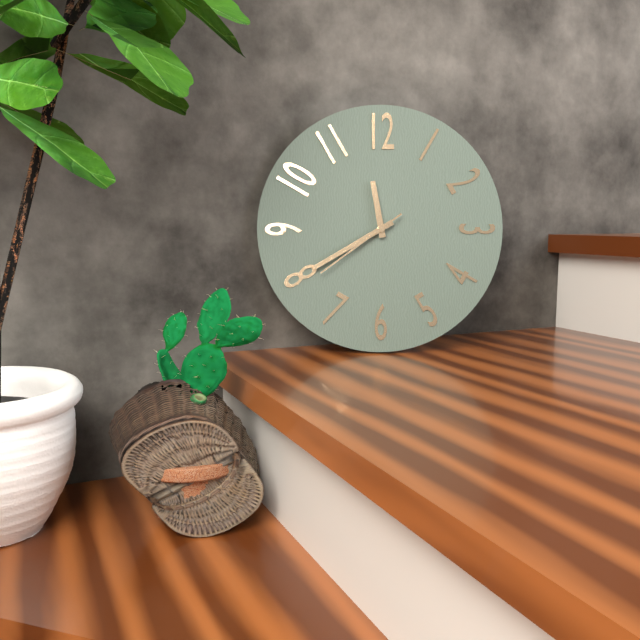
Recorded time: 11.40.39
